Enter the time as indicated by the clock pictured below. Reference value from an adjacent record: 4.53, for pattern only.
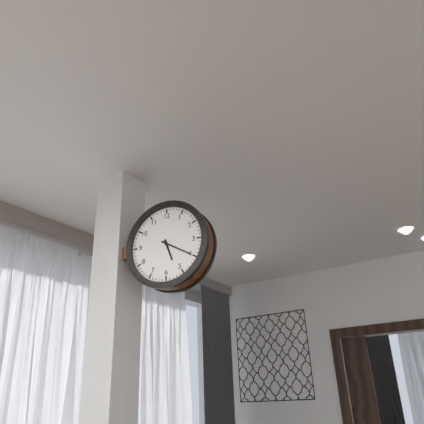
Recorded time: 5.20
